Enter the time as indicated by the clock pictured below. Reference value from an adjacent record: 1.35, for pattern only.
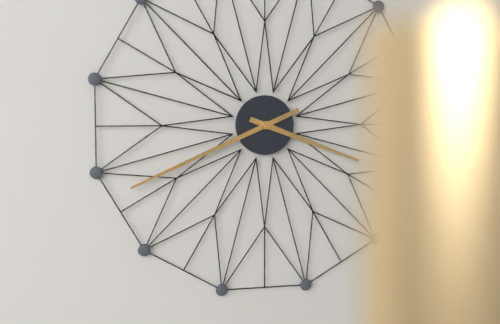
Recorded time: 3.41
